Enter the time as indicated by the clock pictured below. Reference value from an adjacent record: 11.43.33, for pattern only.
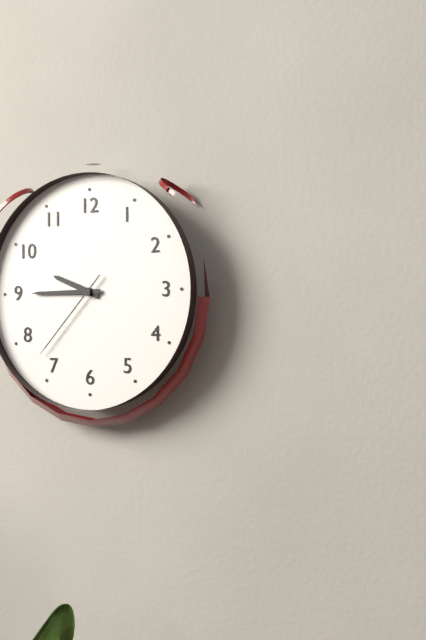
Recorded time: 9.45.37
